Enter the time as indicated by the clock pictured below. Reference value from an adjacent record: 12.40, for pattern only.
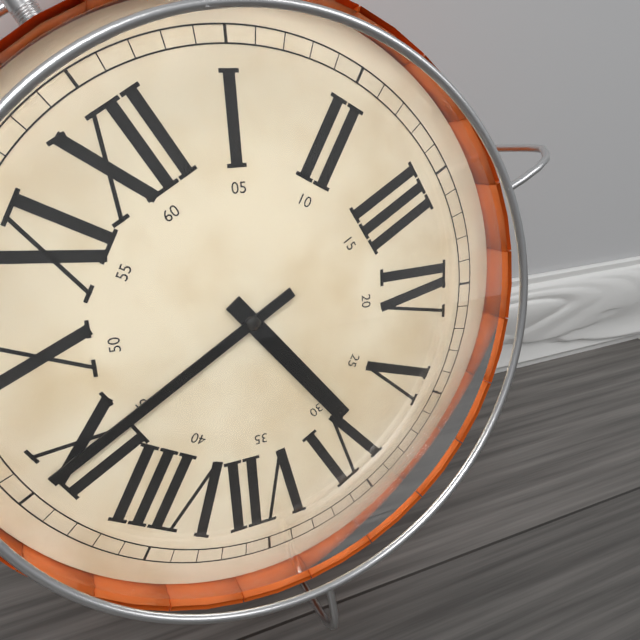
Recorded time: 5.45
